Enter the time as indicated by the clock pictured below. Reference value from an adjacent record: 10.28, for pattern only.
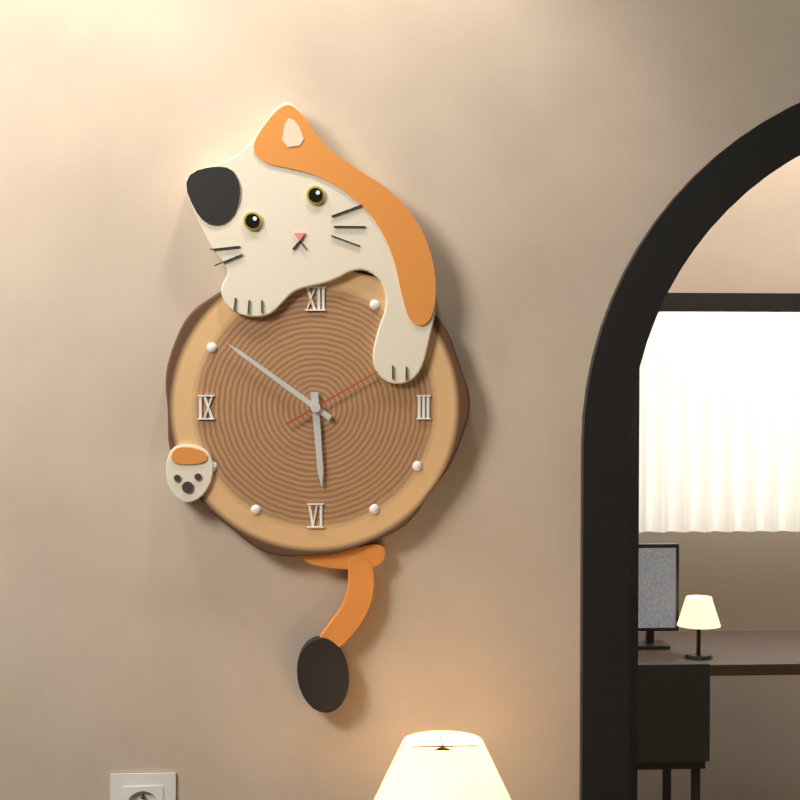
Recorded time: 5.51
